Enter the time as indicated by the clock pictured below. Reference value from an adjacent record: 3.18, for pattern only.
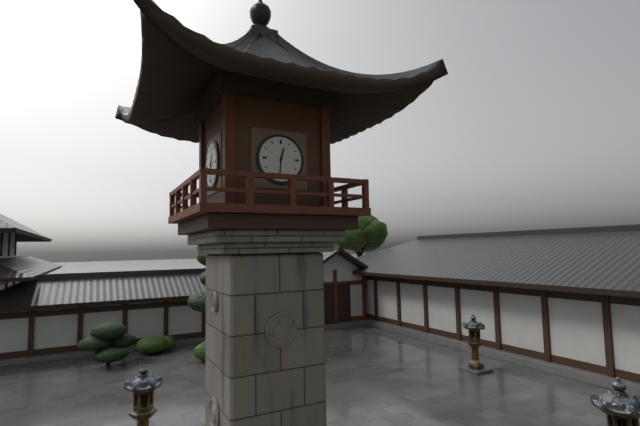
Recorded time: 12.31
